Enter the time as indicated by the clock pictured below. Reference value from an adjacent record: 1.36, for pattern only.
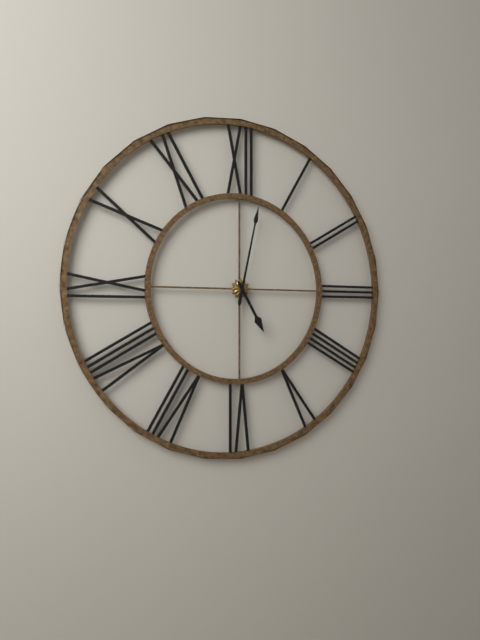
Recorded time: 5.02
